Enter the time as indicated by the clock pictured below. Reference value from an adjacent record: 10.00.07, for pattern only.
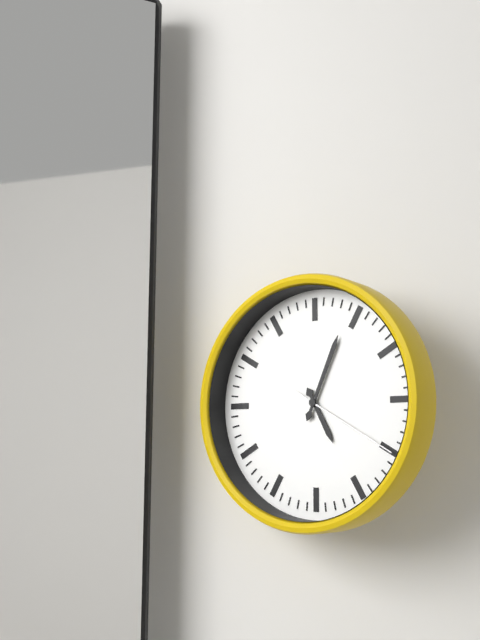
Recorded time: 5.04.20
